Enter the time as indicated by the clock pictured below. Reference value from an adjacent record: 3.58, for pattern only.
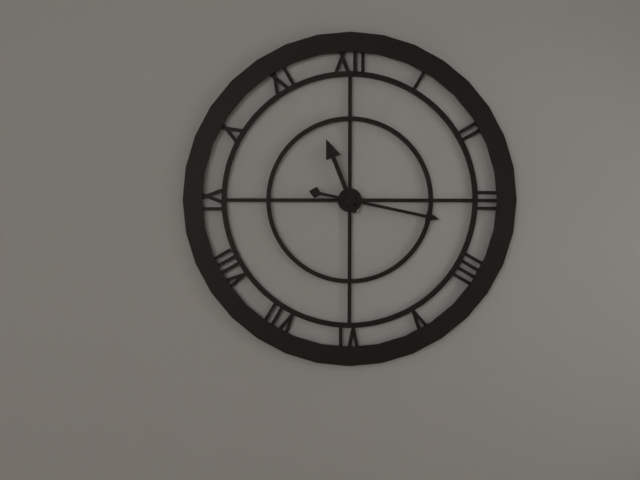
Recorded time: 11.17
